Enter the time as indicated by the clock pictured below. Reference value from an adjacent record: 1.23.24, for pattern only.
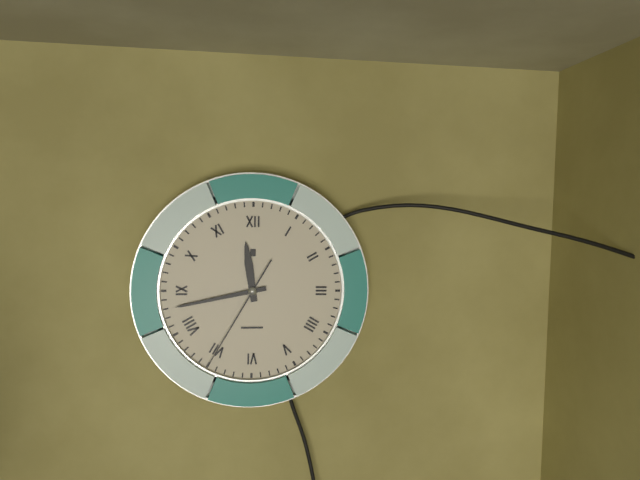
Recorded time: 11.43.35
